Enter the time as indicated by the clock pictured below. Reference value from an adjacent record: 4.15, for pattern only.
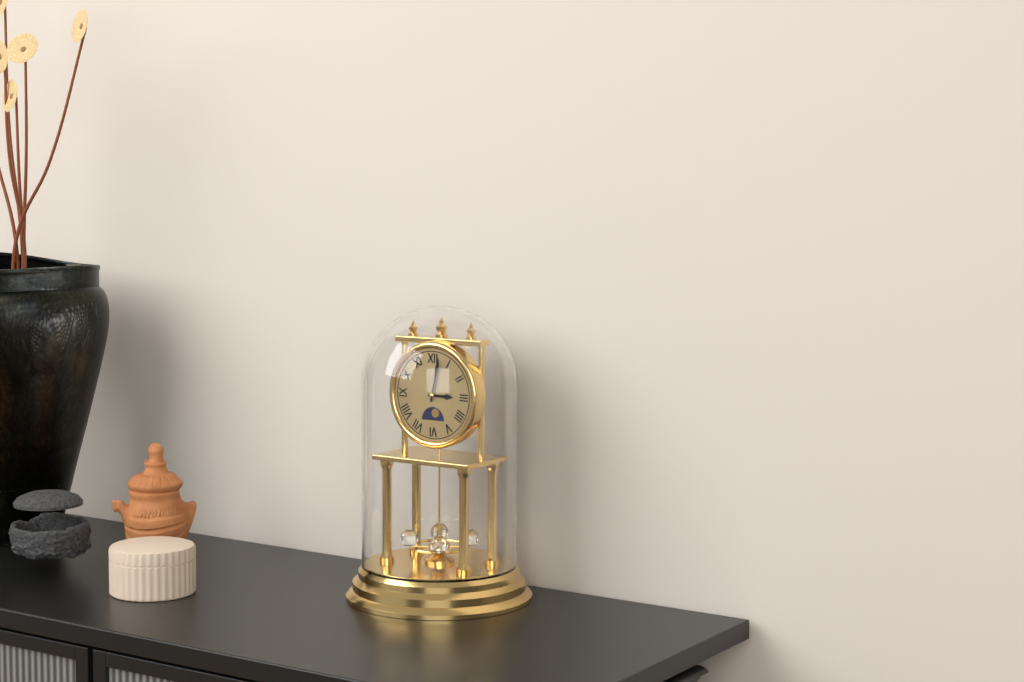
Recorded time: 3.02
